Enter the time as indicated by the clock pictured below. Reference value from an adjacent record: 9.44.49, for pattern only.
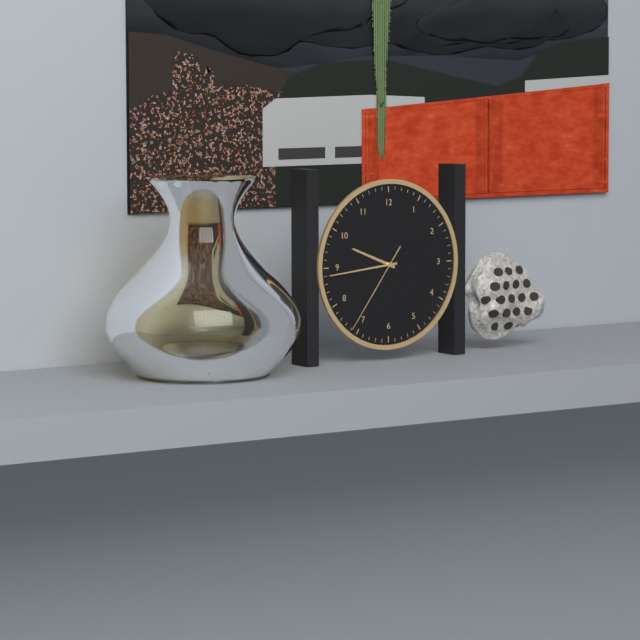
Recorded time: 9.44.36
